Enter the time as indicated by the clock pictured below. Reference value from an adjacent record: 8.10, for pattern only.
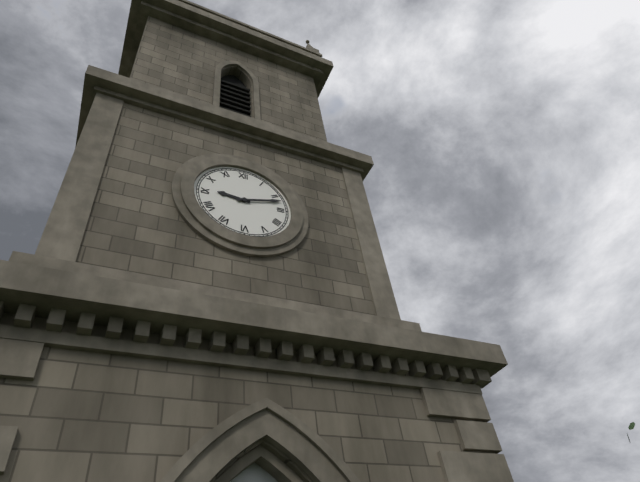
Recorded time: 9.12
